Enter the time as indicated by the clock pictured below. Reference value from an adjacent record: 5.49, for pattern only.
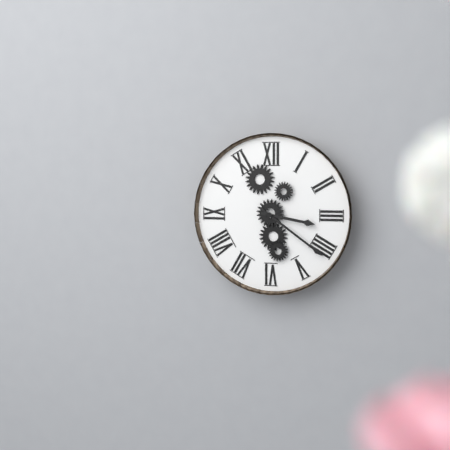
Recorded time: 3.21
